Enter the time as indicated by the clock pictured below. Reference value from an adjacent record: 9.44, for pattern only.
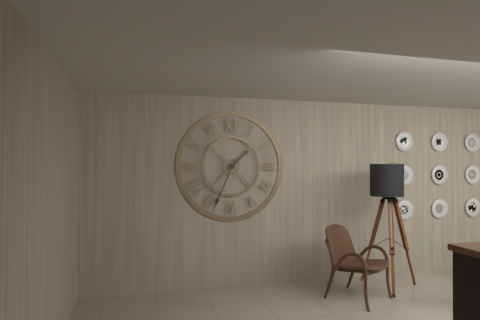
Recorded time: 1.34
